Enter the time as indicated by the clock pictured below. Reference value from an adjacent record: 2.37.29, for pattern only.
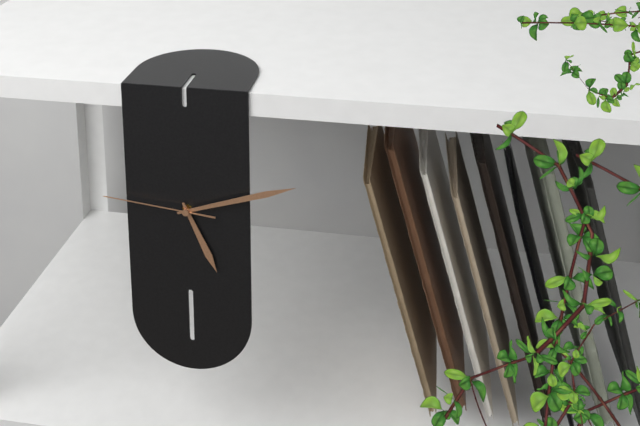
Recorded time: 5.12.46
